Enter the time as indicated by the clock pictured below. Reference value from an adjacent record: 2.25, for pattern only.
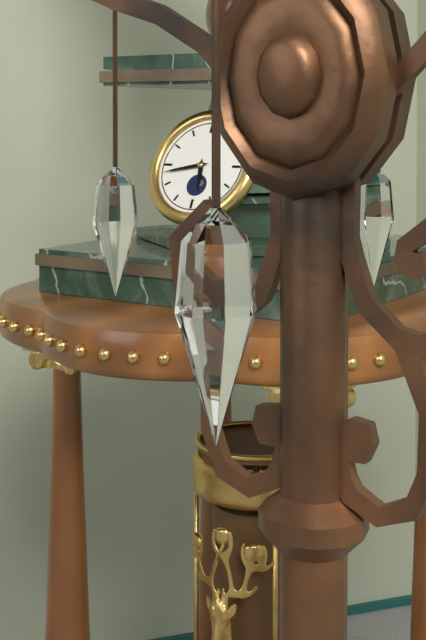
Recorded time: 5.43
